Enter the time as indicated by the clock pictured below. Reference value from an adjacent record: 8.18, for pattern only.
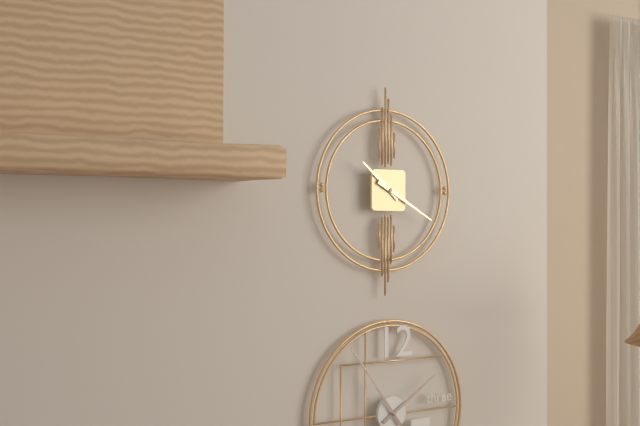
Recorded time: 10.20
